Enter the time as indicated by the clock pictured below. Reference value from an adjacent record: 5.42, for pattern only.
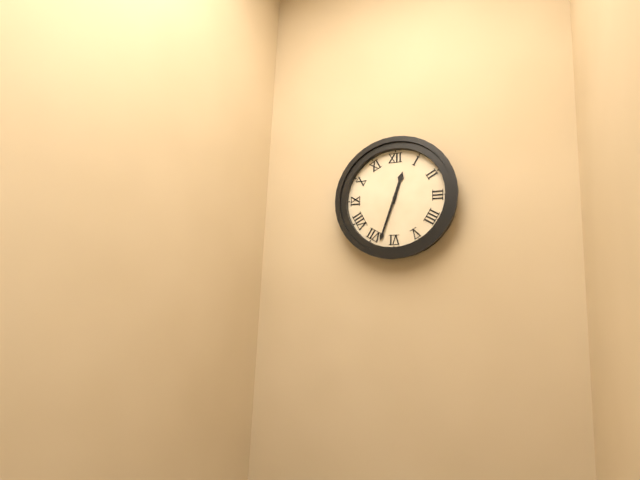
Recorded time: 12.33
